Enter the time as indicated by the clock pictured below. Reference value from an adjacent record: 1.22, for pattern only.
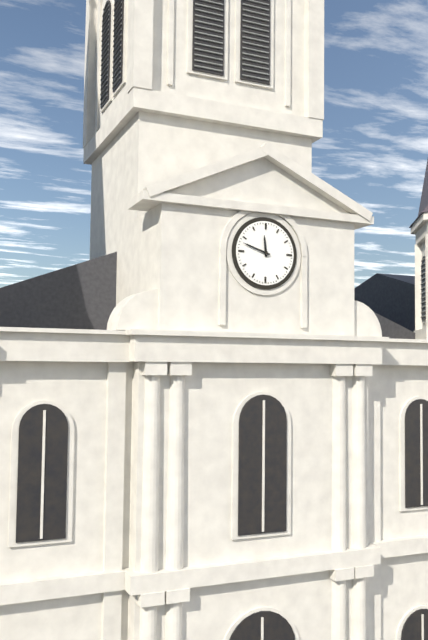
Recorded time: 11.48
